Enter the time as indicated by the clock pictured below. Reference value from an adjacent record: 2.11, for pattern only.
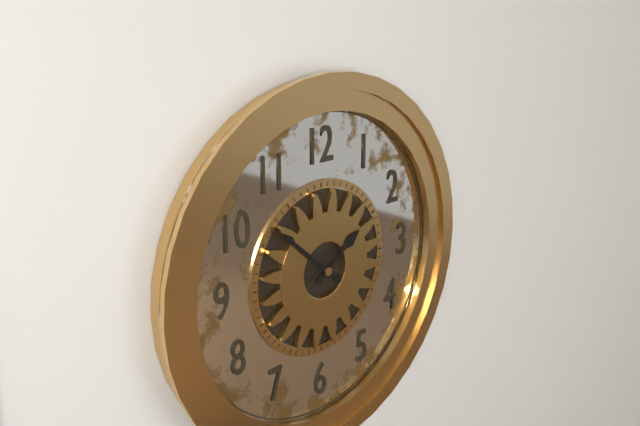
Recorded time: 1.52
